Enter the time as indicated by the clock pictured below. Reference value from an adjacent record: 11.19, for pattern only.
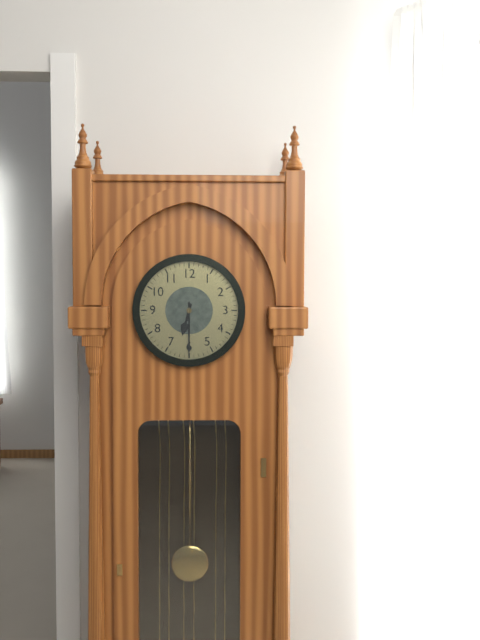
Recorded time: 6.30
